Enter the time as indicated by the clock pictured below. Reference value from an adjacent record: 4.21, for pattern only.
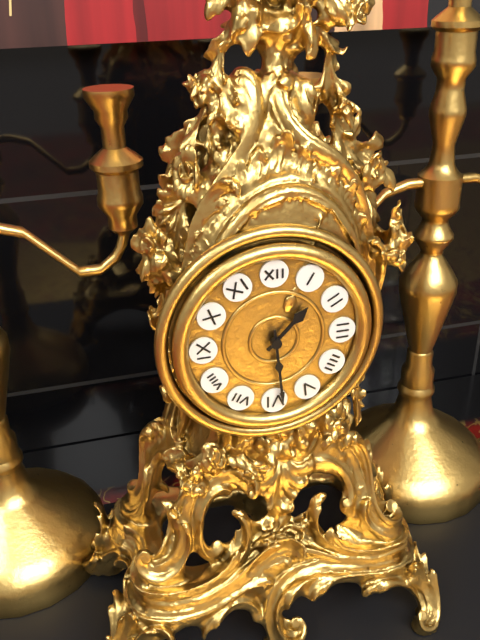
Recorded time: 1.29
